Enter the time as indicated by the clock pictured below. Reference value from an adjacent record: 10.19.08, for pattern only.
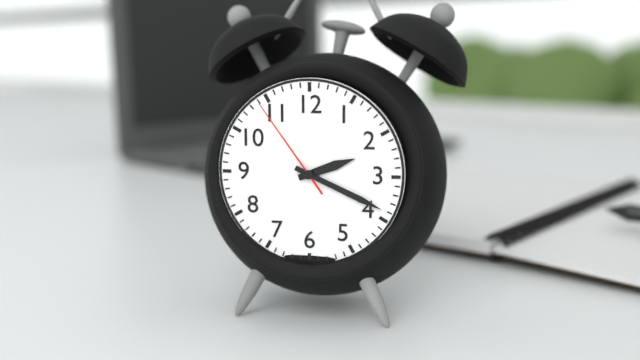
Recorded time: 2.19.54
